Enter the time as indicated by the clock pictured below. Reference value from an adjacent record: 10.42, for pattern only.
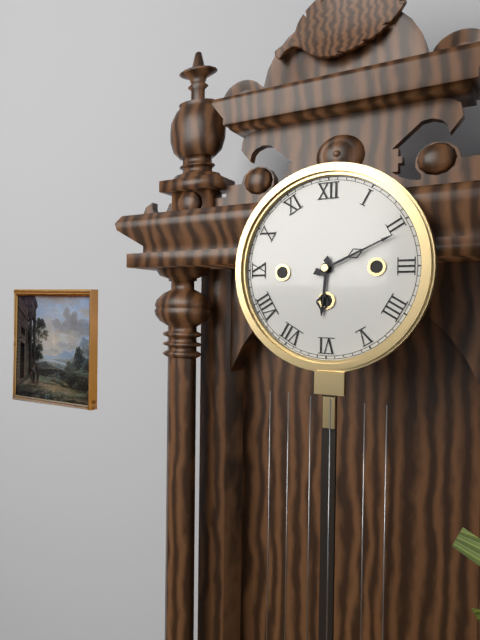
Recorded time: 6.11
